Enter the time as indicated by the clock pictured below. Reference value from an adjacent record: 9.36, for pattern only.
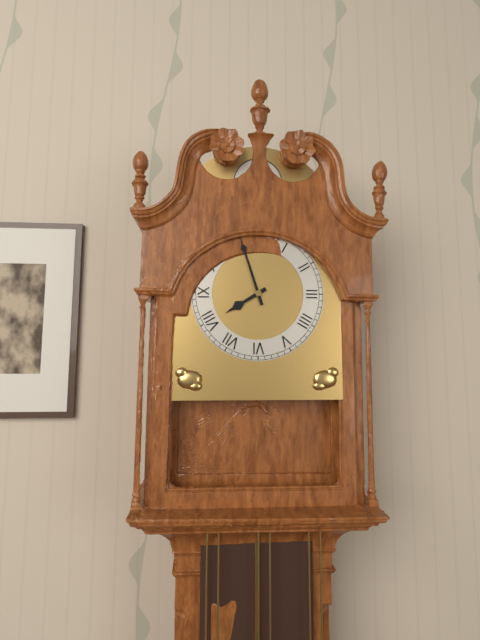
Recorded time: 7.57
